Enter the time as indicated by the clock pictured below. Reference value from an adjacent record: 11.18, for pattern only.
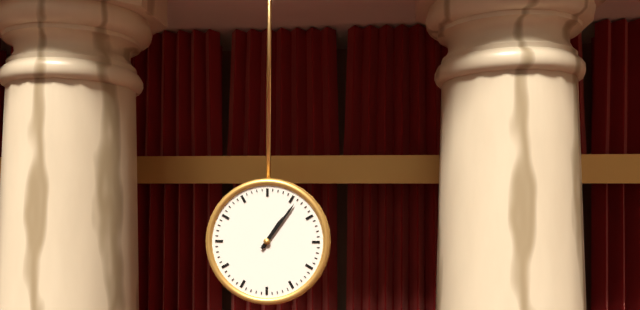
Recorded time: 1.06
